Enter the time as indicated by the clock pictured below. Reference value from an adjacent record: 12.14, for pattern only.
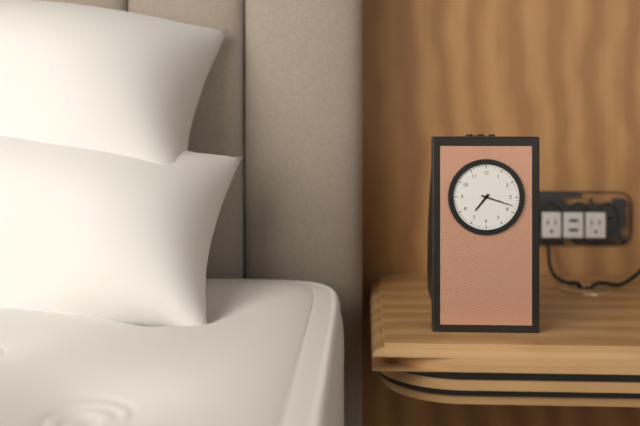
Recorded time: 7.18
